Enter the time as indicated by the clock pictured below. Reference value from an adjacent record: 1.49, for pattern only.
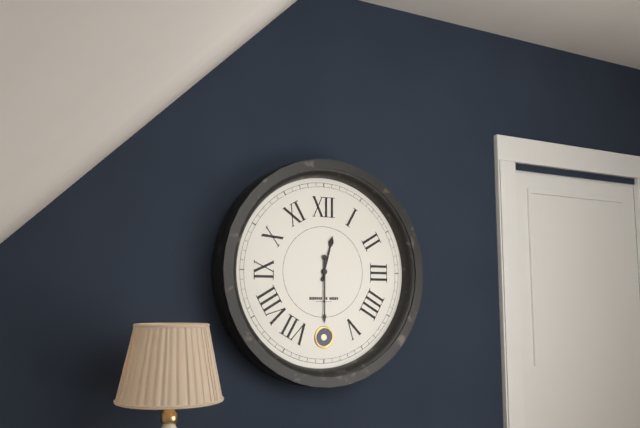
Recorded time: 12.30
